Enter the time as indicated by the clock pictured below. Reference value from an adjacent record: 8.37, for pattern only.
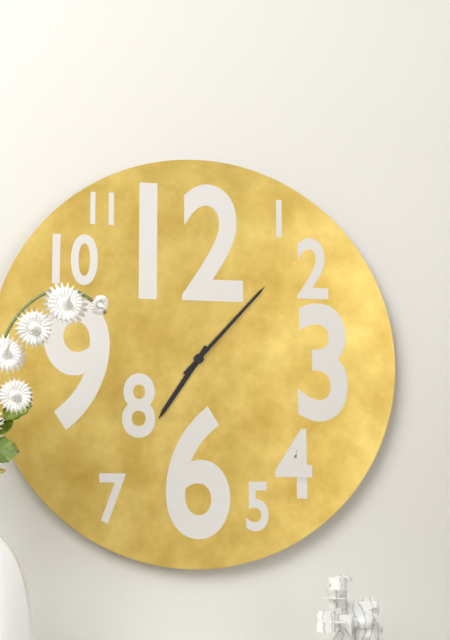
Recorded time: 7.07
